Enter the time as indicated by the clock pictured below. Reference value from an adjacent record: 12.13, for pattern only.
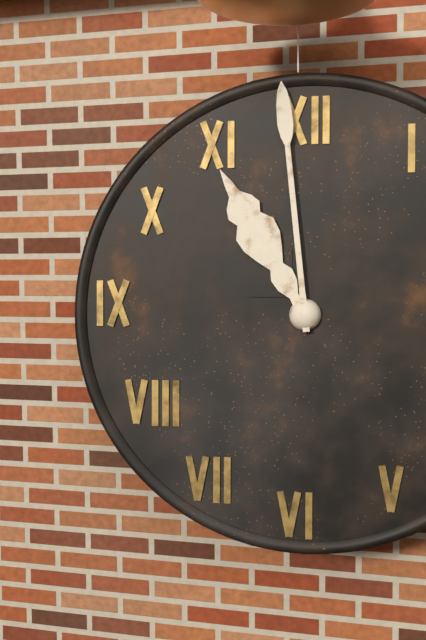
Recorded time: 10.59
